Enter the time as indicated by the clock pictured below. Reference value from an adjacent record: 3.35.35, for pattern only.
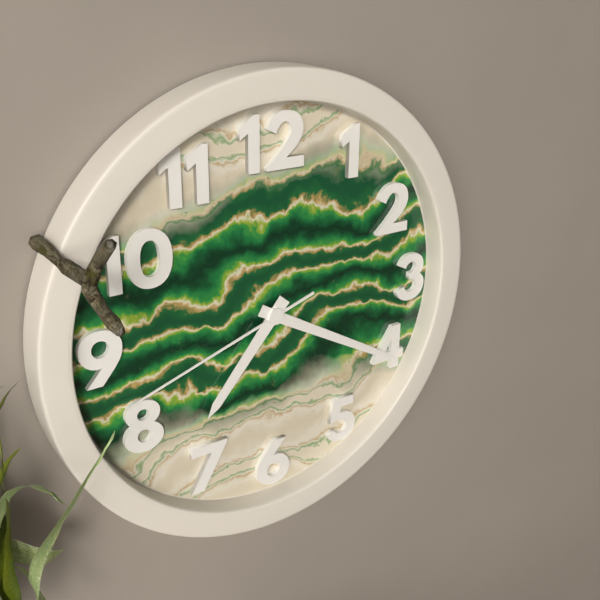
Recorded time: 7.20.42
